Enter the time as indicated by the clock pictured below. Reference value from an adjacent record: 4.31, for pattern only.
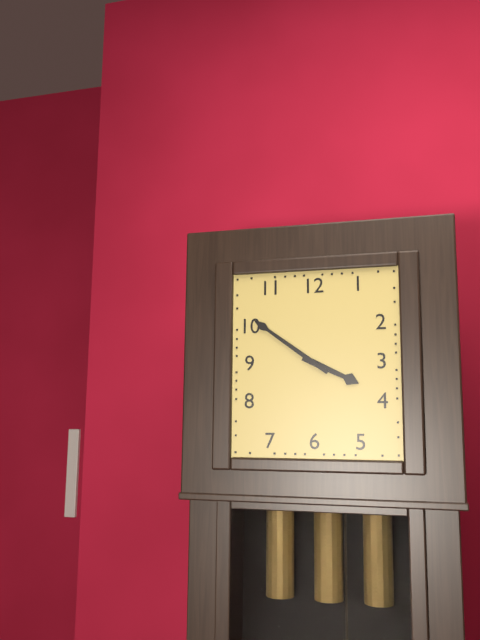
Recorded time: 3.51
